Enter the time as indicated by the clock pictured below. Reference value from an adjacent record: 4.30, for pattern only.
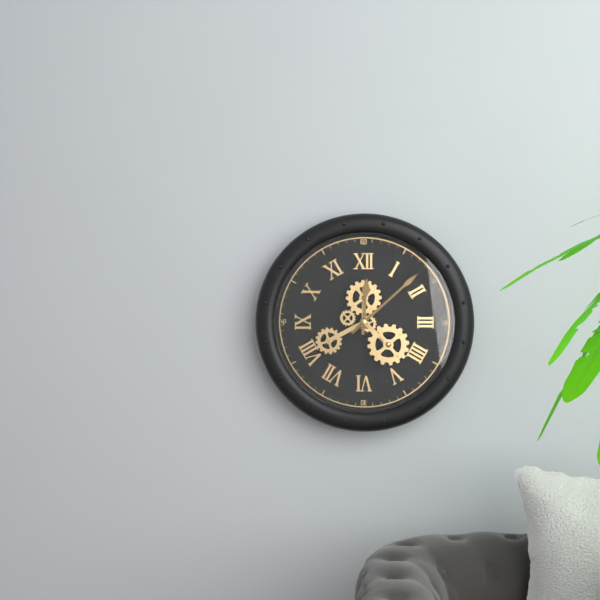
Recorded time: 12.08
